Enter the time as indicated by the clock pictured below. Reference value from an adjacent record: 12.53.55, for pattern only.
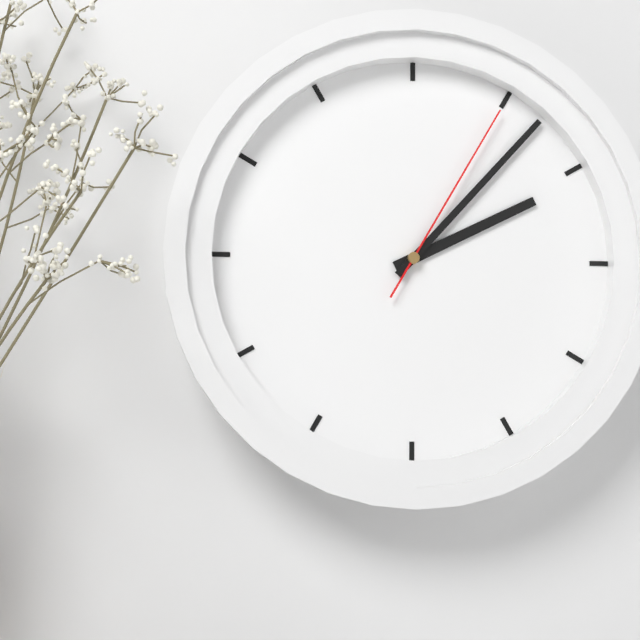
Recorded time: 2.07.05
